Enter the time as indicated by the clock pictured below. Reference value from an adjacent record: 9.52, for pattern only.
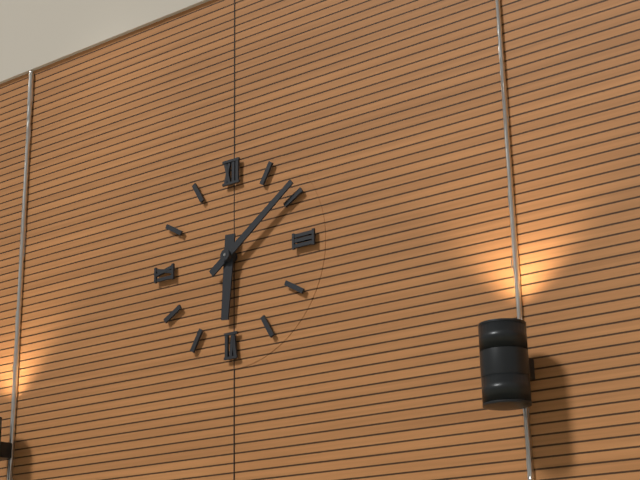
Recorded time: 6.09
